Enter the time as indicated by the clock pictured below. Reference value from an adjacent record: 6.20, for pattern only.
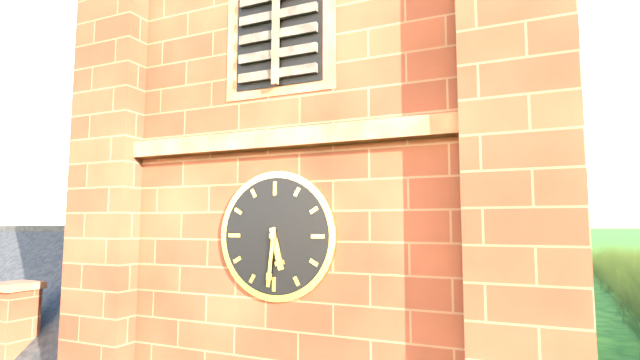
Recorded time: 5.31
